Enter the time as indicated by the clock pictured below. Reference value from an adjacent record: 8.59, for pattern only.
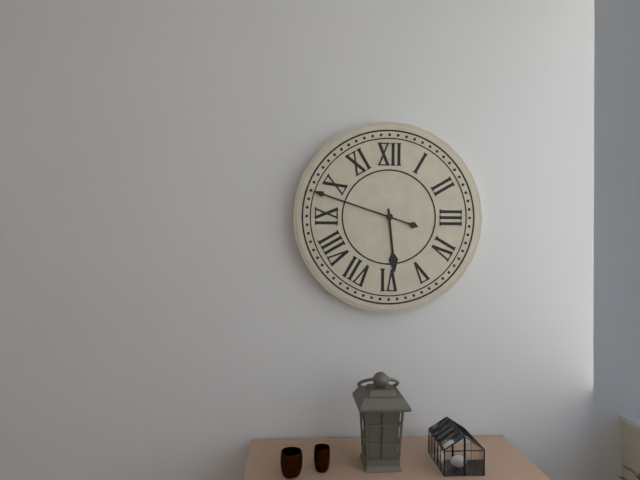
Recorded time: 5.48
